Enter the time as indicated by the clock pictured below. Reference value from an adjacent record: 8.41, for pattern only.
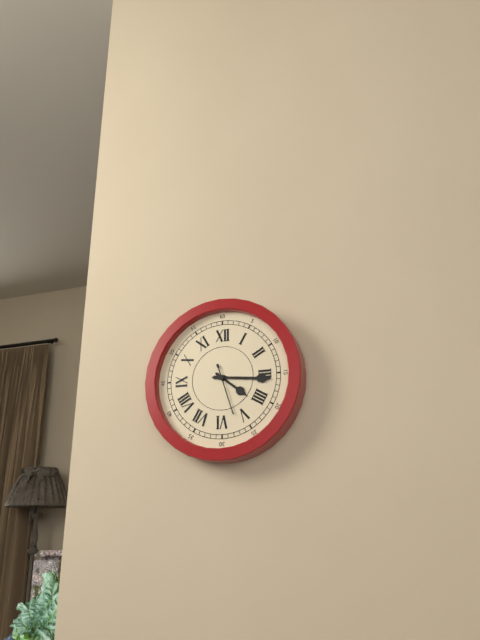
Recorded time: 4.16
